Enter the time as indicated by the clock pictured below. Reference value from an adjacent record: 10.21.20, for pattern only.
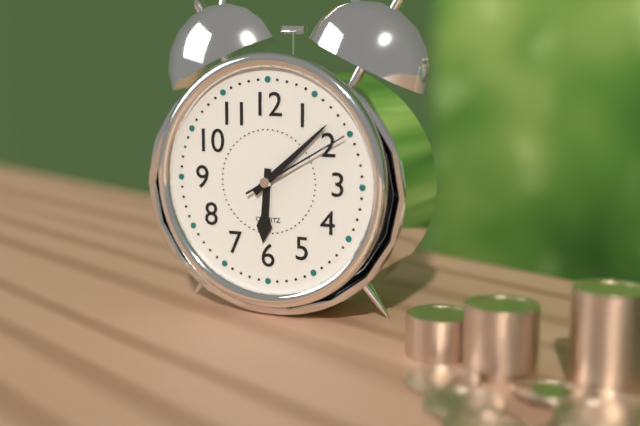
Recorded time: 6.08.10
